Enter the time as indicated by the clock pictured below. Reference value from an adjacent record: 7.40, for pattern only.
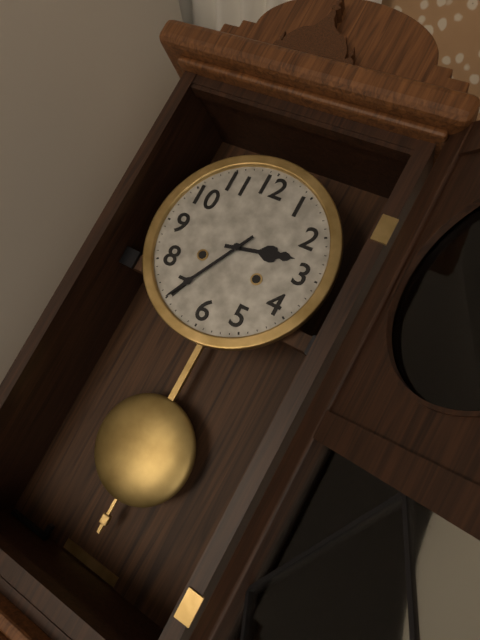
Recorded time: 2.35
